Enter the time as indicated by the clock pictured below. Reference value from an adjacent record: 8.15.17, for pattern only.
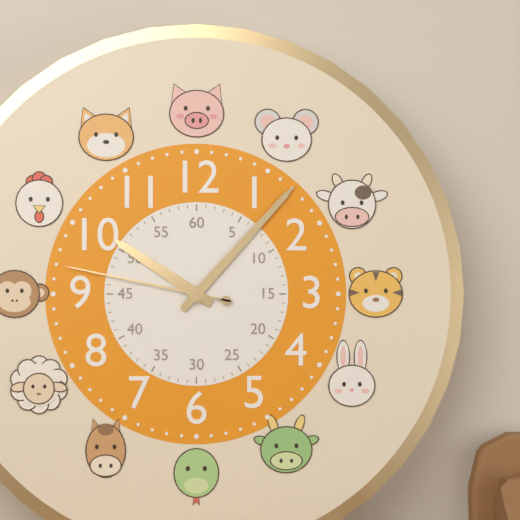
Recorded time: 10.07.47
